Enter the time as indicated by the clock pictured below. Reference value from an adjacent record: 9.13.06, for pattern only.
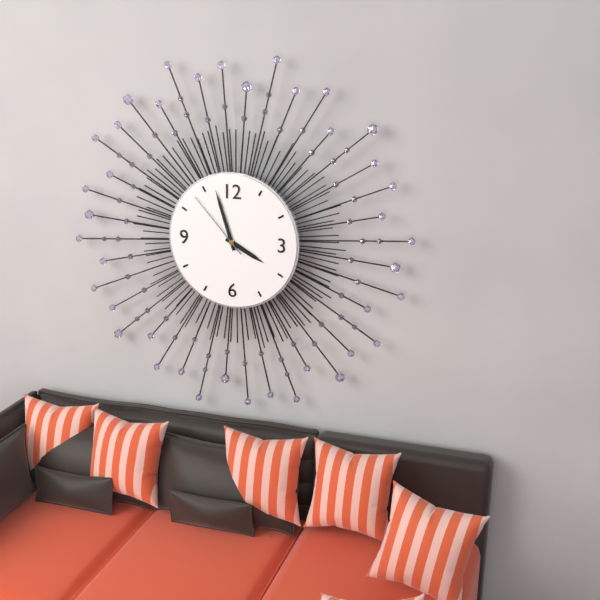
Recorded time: 3.57.53
